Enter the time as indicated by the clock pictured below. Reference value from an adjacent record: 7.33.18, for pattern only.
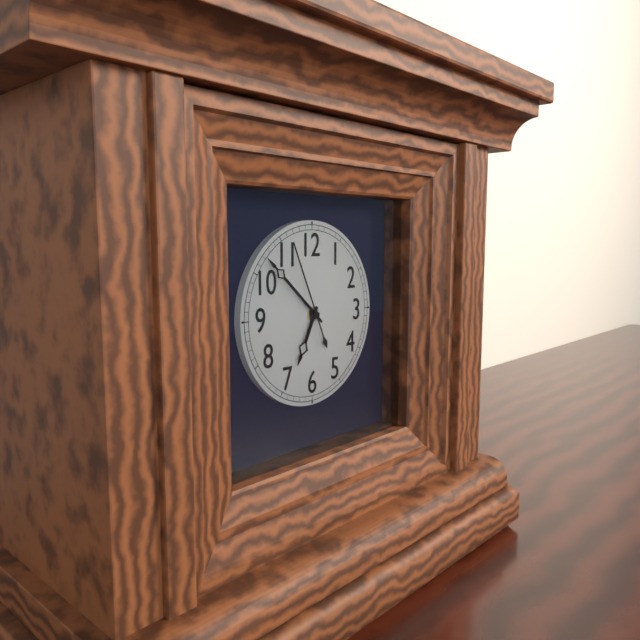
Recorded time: 6.52.56
